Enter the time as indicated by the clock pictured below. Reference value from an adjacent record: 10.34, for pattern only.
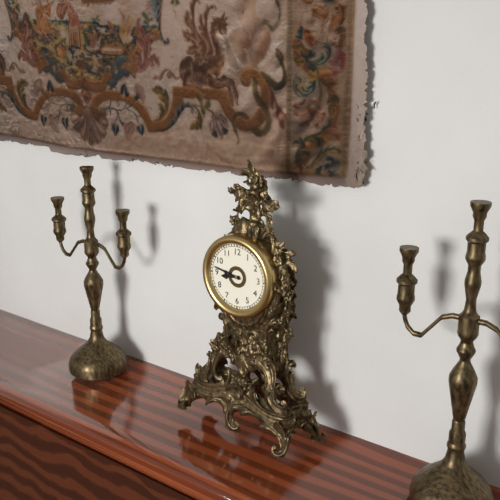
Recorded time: 8.47
